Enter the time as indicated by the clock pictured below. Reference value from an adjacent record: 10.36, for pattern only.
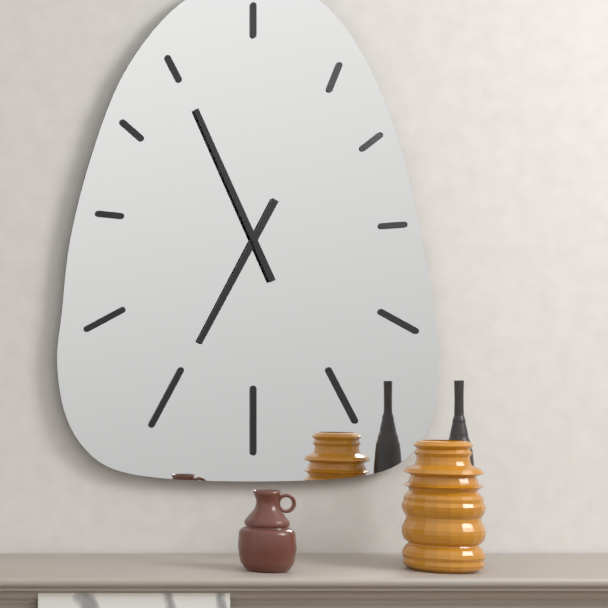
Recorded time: 6.56
